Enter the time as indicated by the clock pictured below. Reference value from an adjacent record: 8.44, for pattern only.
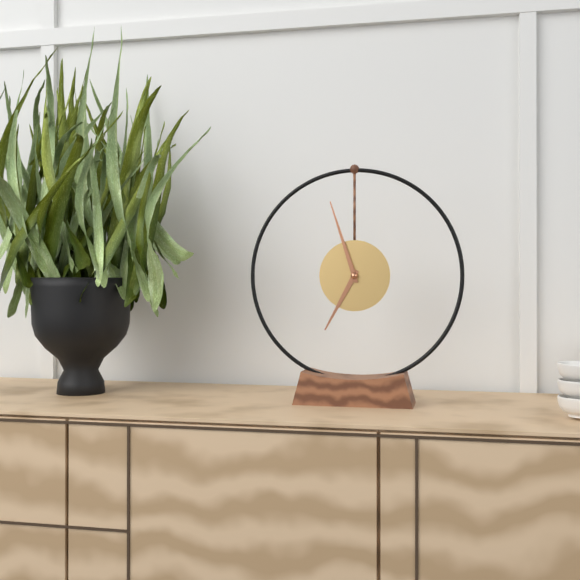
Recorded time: 6.57
